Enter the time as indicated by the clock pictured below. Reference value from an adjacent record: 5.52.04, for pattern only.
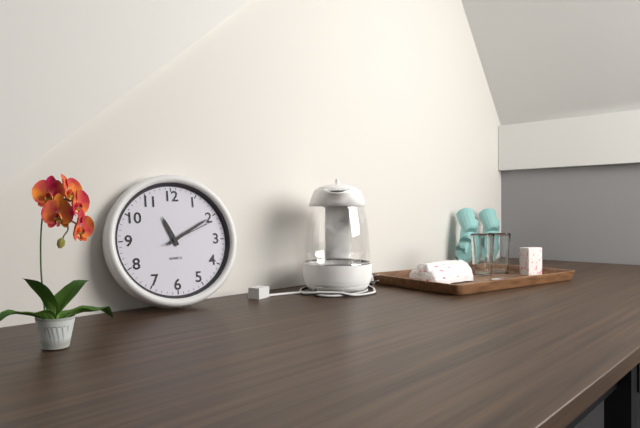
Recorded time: 11.10.11
